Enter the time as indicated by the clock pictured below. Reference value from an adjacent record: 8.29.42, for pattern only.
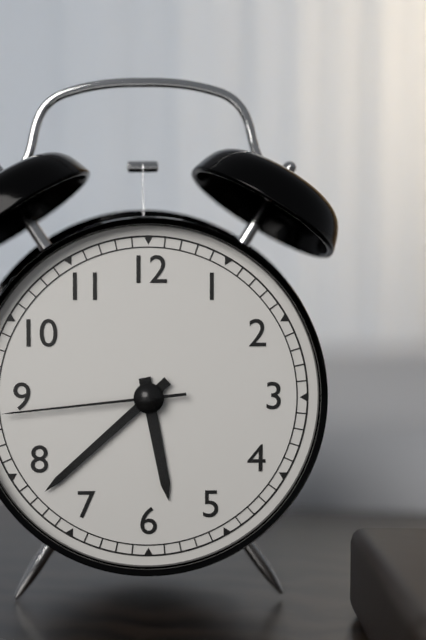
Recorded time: 5.38.44
